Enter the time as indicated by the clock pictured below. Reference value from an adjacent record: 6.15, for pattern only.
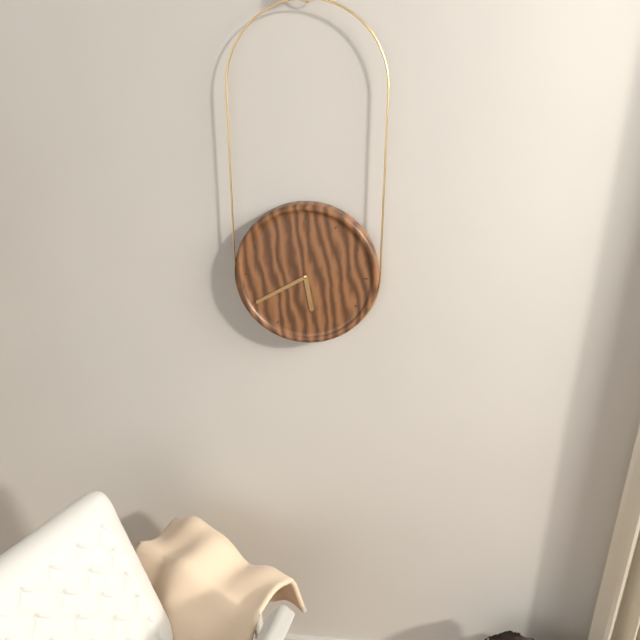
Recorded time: 5.40
